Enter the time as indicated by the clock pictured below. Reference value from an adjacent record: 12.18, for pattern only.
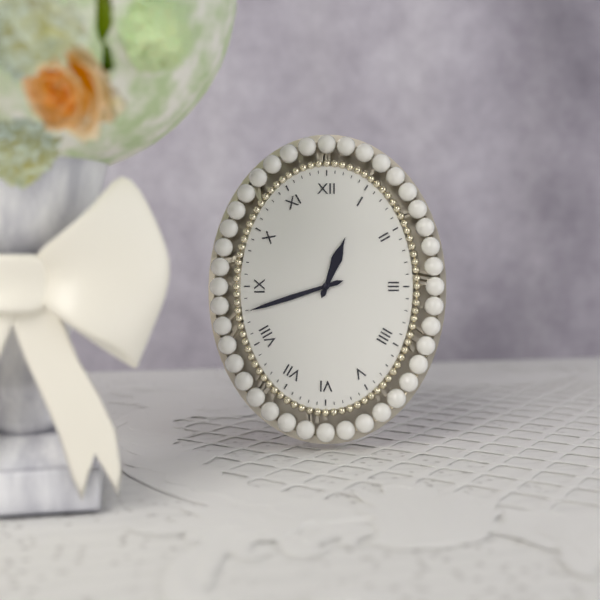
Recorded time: 12.42
